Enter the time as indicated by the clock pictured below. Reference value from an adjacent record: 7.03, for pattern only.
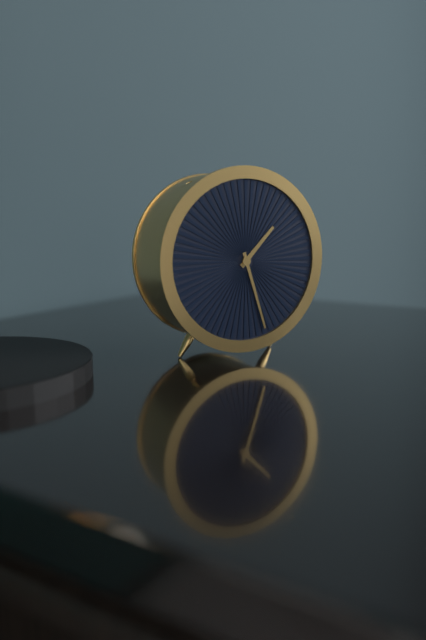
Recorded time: 1.27
